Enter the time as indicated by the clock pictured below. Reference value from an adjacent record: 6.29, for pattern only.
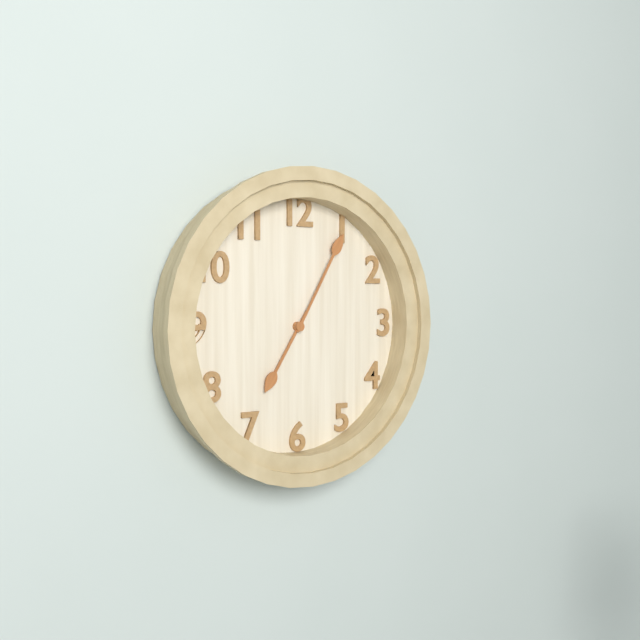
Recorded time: 7.05
